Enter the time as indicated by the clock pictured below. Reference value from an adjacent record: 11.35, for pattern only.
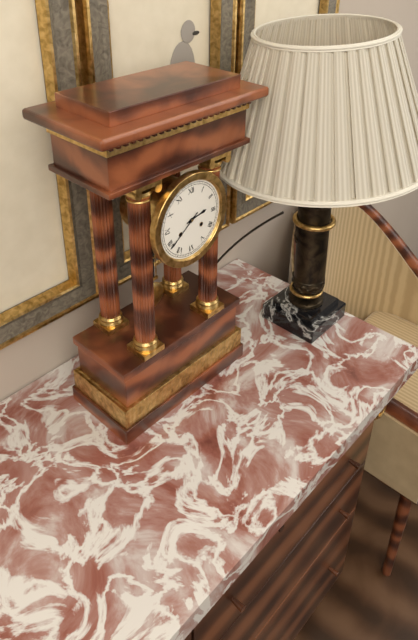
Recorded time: 2.39
